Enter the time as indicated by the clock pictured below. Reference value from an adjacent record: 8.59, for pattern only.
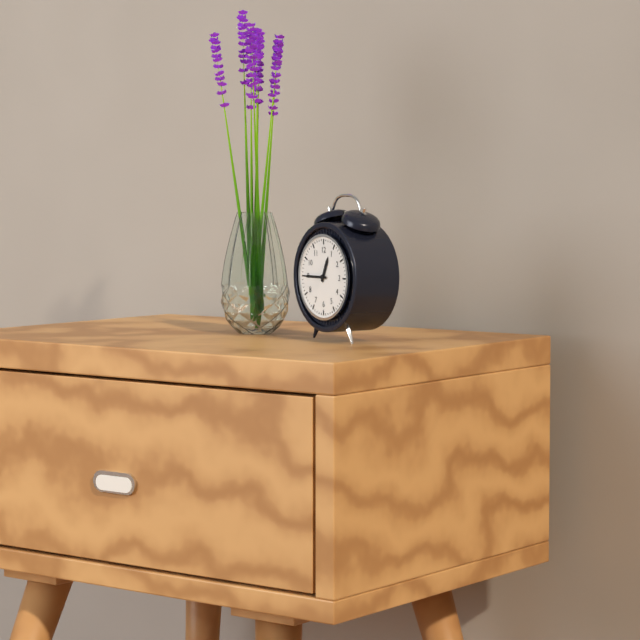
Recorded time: 12.45
